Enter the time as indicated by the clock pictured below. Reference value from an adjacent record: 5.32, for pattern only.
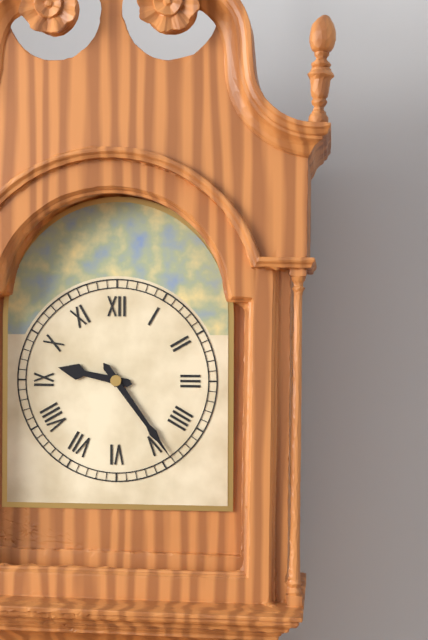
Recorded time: 9.24
